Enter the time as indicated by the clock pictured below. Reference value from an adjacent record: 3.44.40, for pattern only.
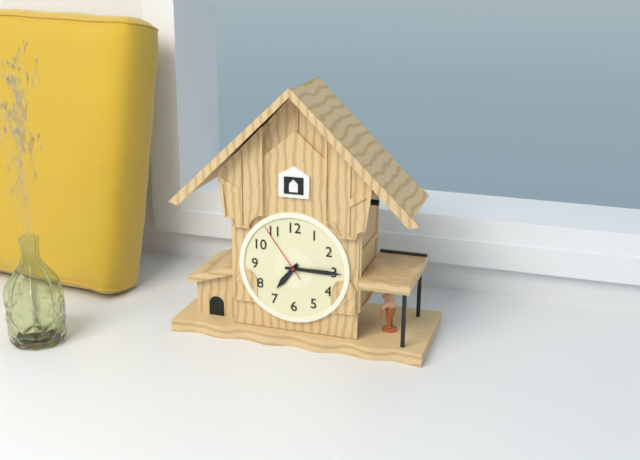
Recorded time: 7.15.54
